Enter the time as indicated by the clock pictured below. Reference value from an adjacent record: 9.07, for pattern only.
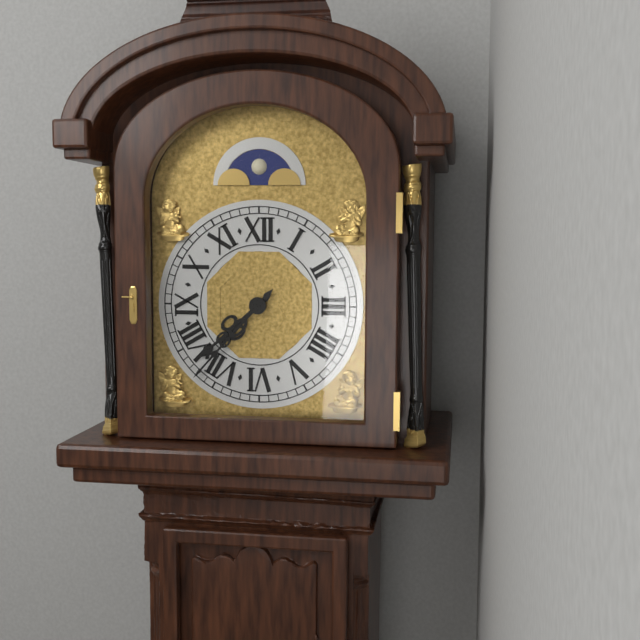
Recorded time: 7.37
